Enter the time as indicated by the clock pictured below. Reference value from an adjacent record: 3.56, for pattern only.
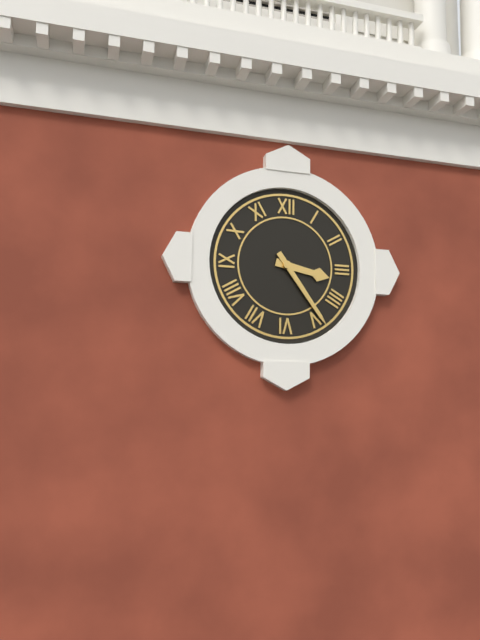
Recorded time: 3.24
